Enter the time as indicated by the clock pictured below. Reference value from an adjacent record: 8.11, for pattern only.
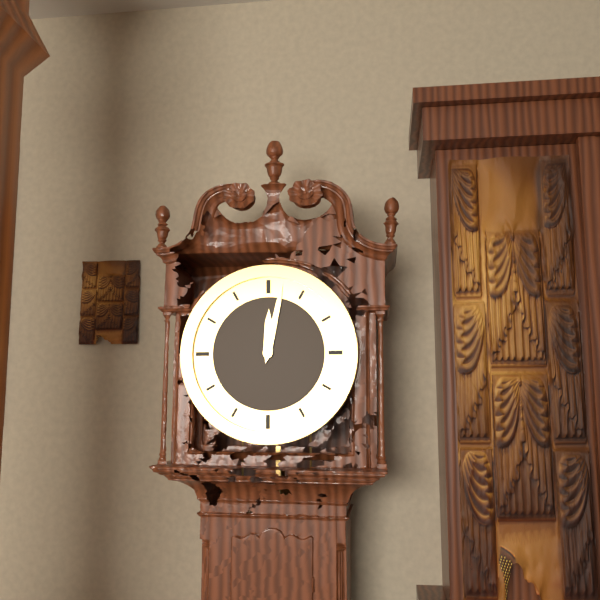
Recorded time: 12.02
